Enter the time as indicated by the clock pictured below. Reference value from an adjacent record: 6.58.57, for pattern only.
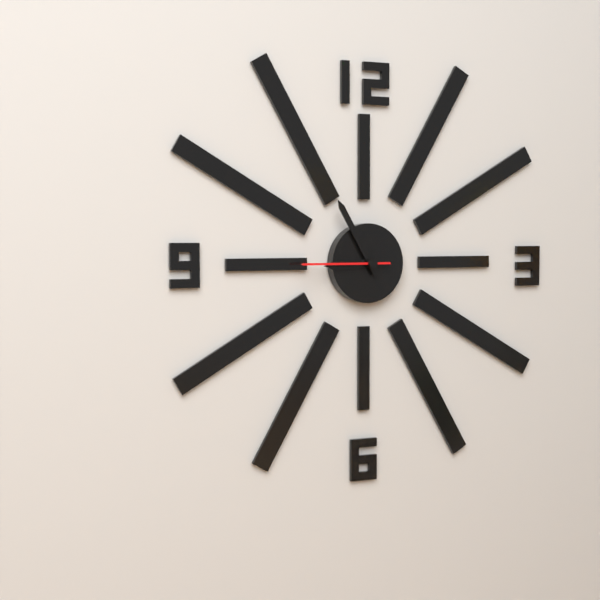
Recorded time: 8.55.45
